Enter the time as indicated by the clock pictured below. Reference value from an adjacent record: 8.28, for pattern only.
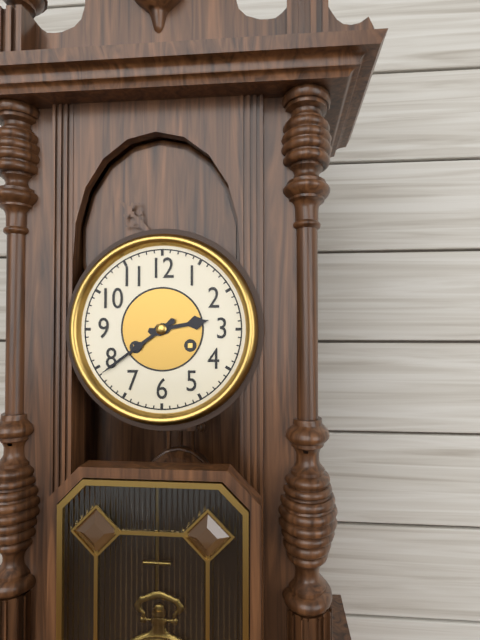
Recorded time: 2.39
